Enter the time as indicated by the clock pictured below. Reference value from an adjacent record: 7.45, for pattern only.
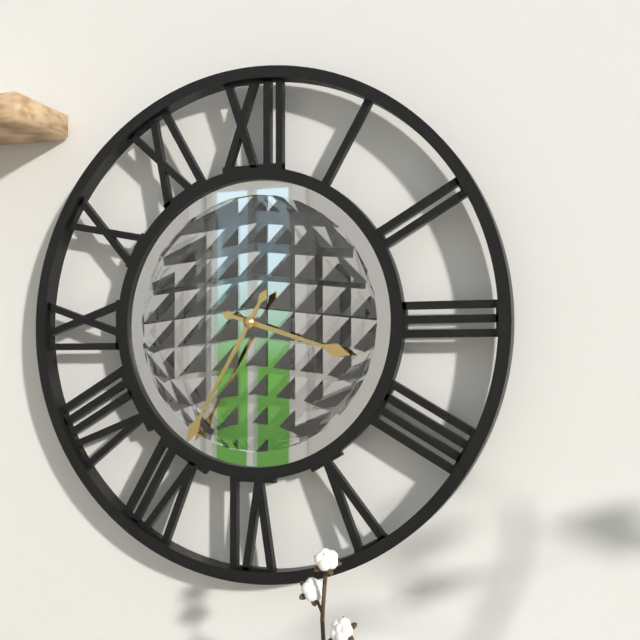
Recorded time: 3.35
